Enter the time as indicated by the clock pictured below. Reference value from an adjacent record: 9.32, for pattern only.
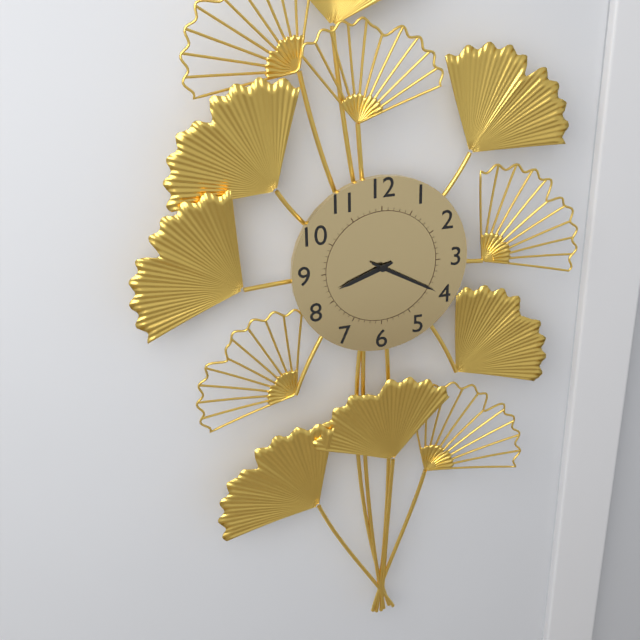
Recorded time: 8.20
